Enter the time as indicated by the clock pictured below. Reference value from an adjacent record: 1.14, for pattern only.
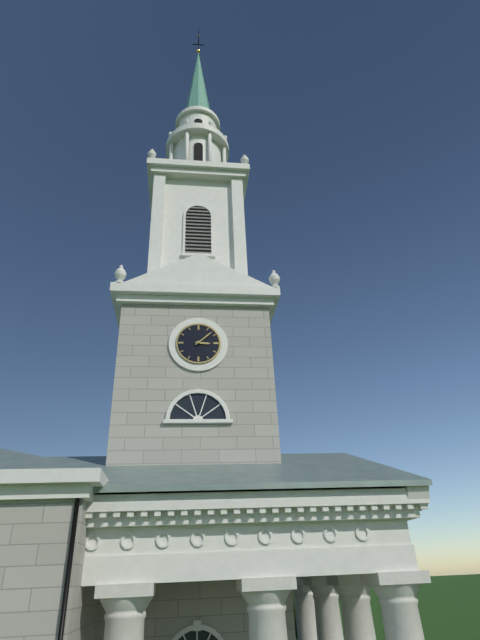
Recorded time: 3.08
